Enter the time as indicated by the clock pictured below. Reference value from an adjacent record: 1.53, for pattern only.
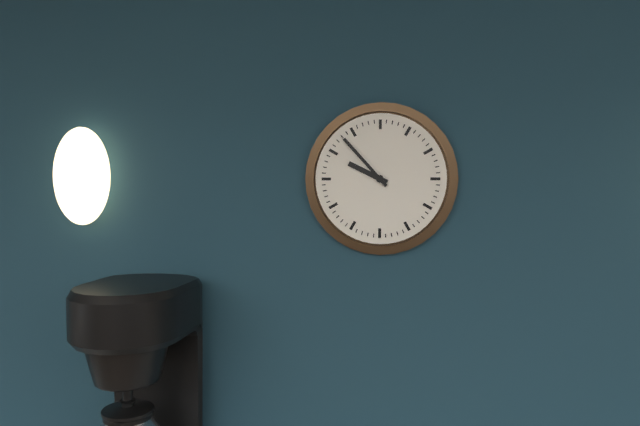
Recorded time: 9.53
